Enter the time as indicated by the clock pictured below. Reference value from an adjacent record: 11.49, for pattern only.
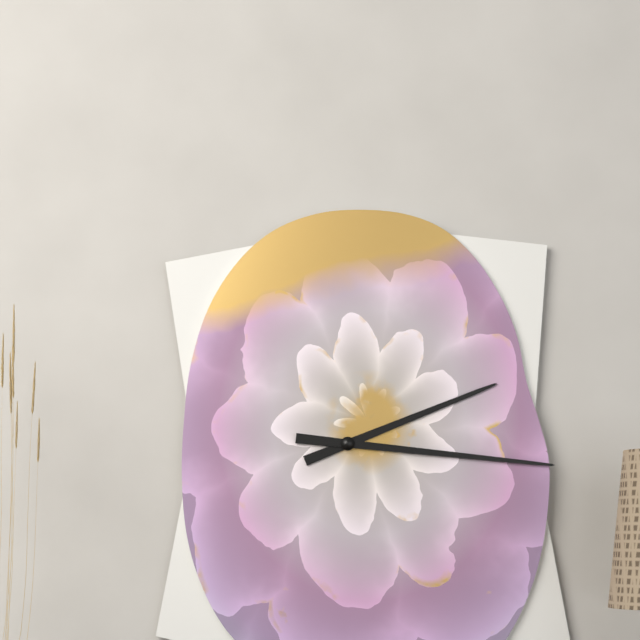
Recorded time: 2.16
